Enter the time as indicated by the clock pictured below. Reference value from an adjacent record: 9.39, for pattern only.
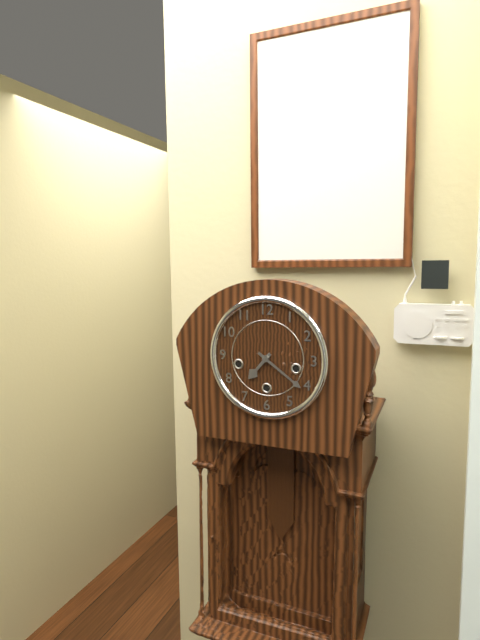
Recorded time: 7.21
